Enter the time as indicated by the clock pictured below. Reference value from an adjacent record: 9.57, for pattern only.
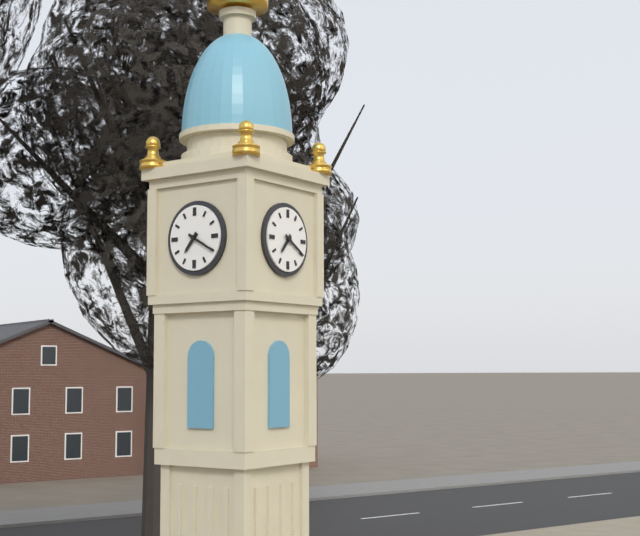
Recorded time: 7.20
